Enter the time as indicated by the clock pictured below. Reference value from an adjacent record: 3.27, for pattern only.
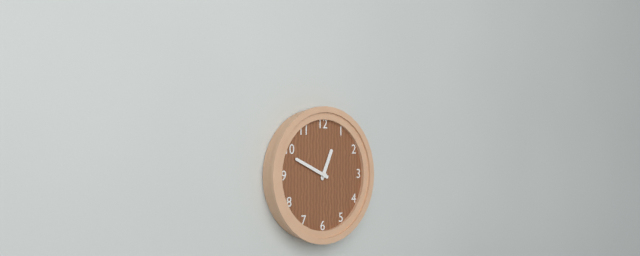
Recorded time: 12.49
